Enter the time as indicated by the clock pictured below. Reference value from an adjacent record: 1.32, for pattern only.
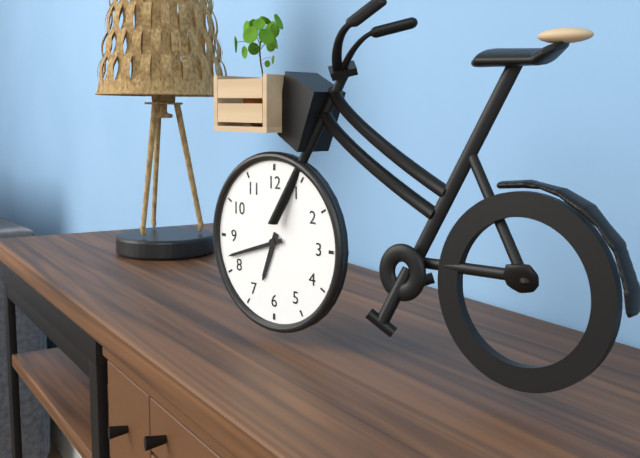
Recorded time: 6.42
